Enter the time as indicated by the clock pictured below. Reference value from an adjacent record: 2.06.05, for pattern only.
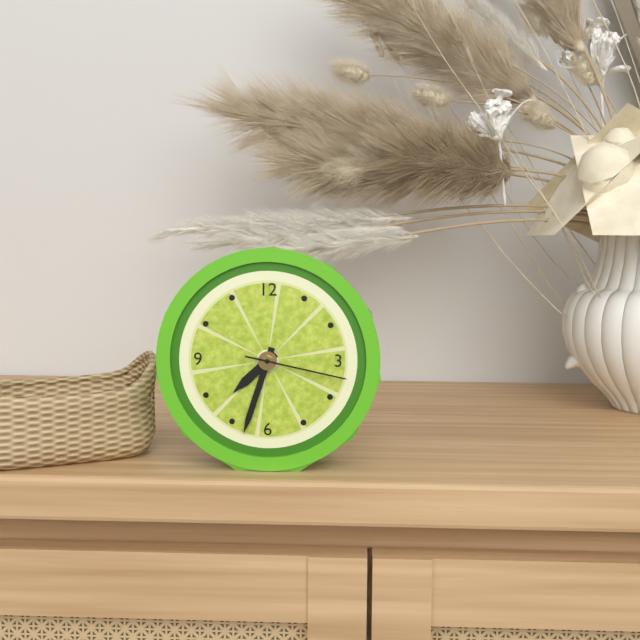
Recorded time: 7.33.17
